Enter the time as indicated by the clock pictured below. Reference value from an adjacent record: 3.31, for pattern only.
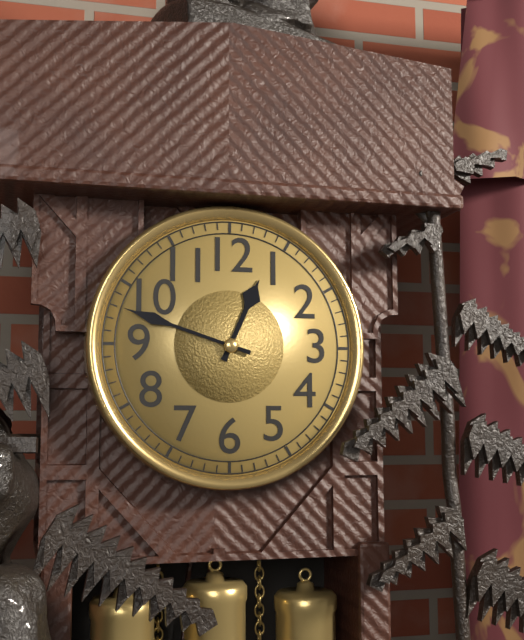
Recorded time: 12.48
